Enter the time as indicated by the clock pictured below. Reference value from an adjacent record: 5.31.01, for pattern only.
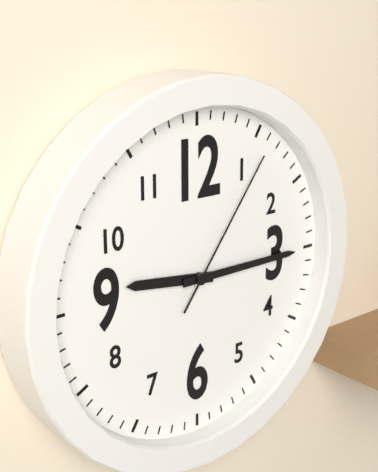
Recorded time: 9.15.06
